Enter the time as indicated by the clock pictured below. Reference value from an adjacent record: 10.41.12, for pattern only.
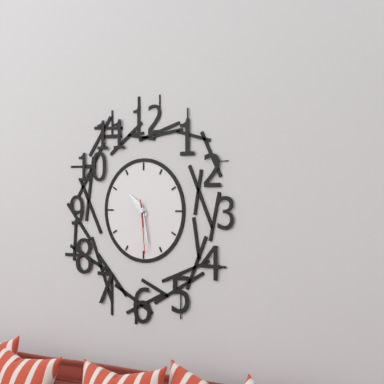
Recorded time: 10.28.29
